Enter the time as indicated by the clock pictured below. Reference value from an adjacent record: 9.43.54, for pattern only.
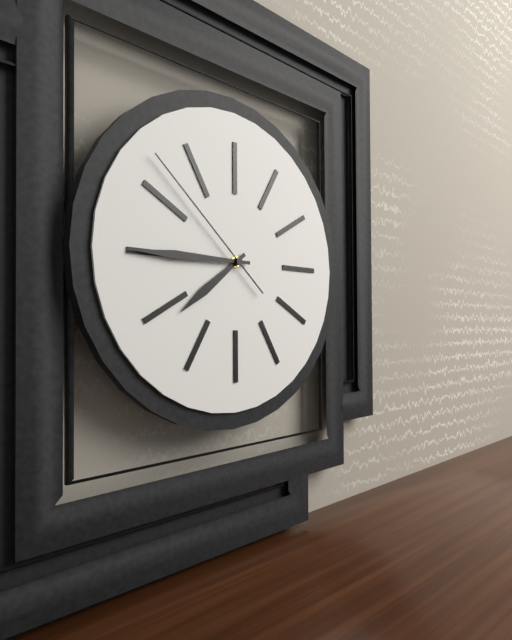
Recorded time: 7.45.52
